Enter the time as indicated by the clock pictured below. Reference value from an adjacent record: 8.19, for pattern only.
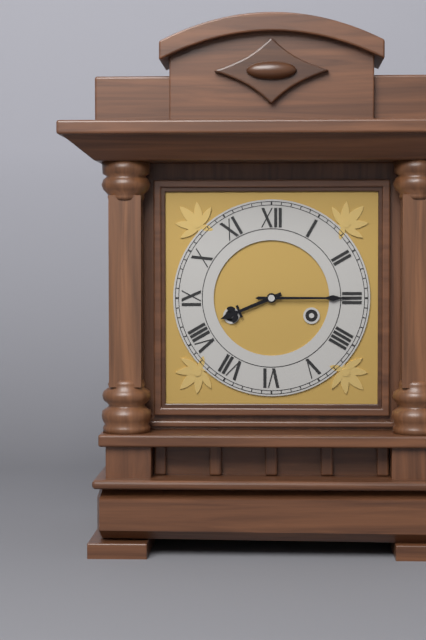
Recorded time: 8.15
